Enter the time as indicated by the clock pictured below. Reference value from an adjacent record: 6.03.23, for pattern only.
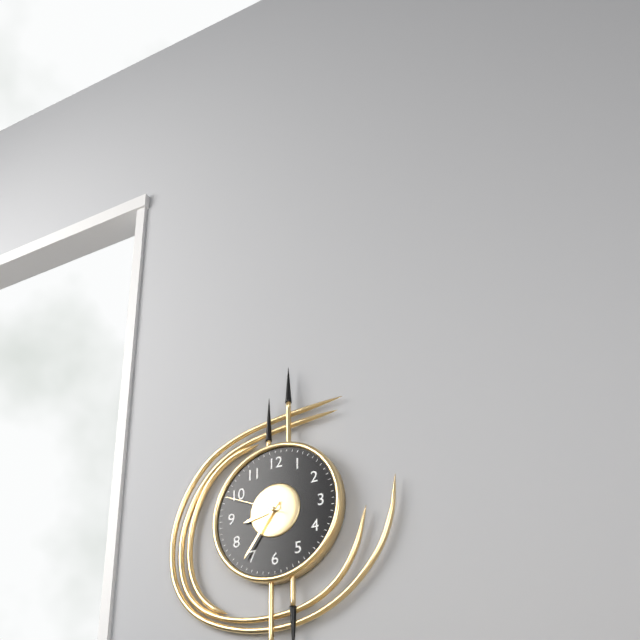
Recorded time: 8.36.49
